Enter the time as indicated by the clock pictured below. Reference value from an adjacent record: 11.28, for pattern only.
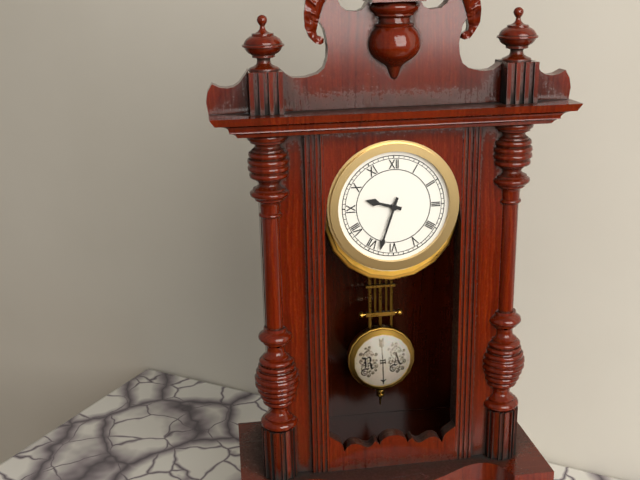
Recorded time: 9.33
